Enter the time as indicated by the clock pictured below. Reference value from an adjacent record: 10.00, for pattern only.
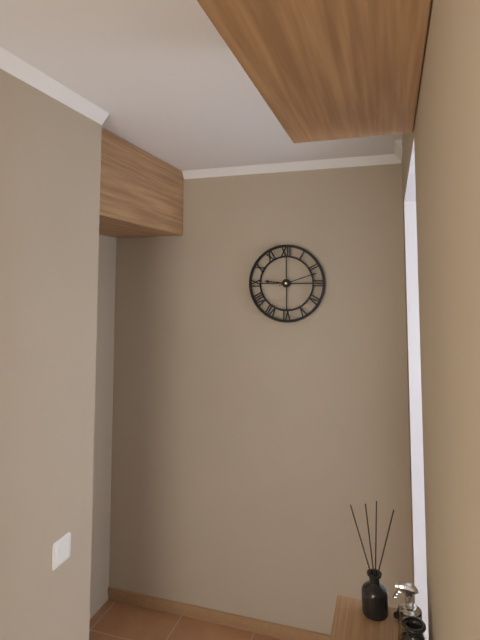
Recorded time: 9.12
